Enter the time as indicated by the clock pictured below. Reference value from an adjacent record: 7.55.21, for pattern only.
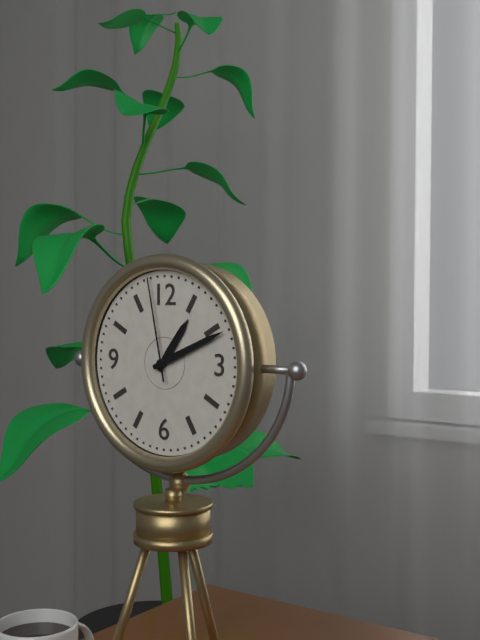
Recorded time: 1.11.58
